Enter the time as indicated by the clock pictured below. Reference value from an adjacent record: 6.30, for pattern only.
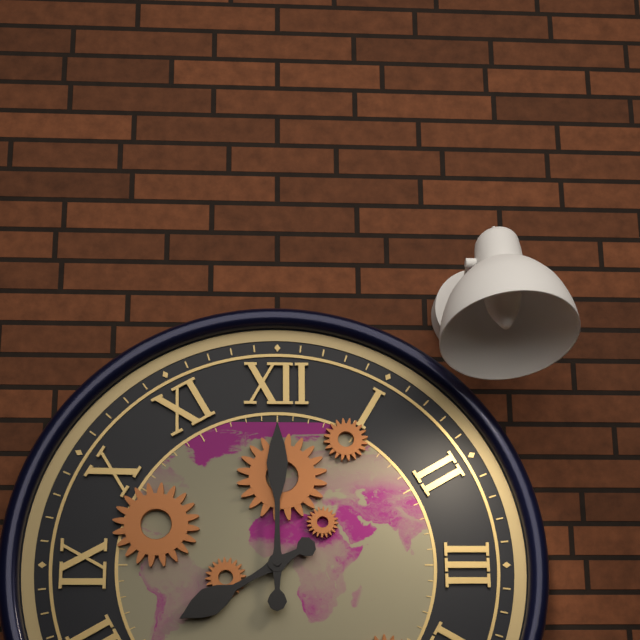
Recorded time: 8.00
